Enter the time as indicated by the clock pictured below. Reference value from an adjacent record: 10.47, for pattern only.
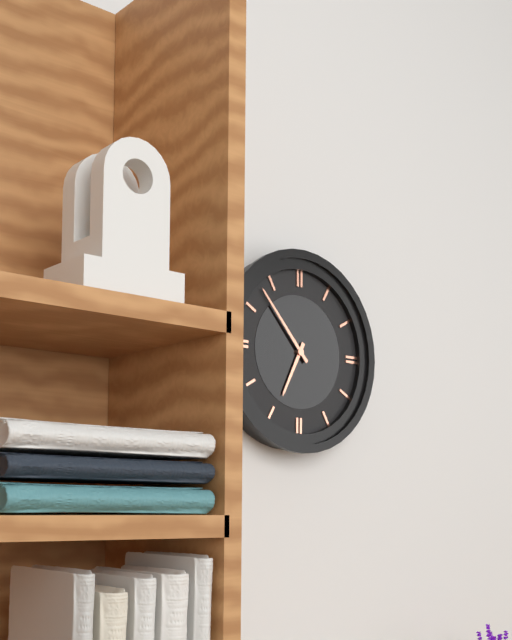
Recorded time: 6.53
